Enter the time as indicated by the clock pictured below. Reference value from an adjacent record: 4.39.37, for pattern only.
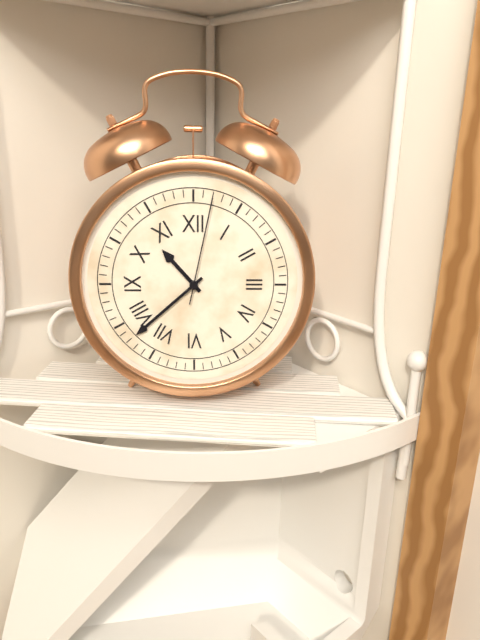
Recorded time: 10.38.02
